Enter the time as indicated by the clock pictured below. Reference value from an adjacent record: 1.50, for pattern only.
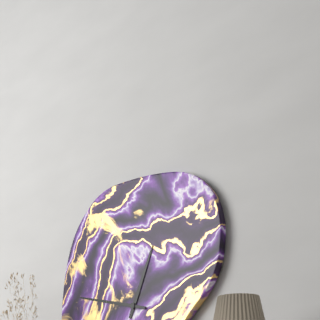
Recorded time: 12.47
